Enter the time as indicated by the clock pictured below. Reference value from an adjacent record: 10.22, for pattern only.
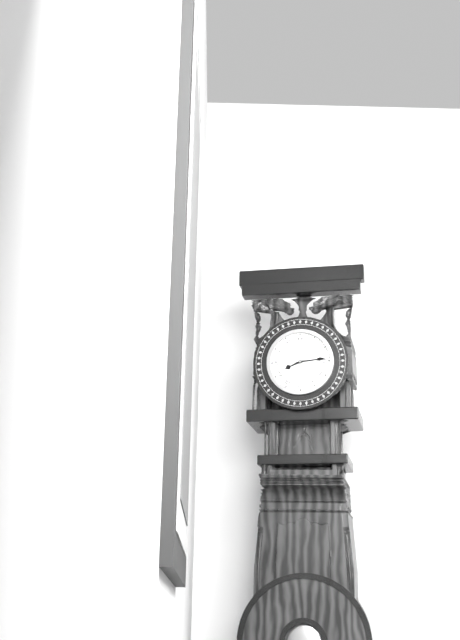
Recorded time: 8.14
